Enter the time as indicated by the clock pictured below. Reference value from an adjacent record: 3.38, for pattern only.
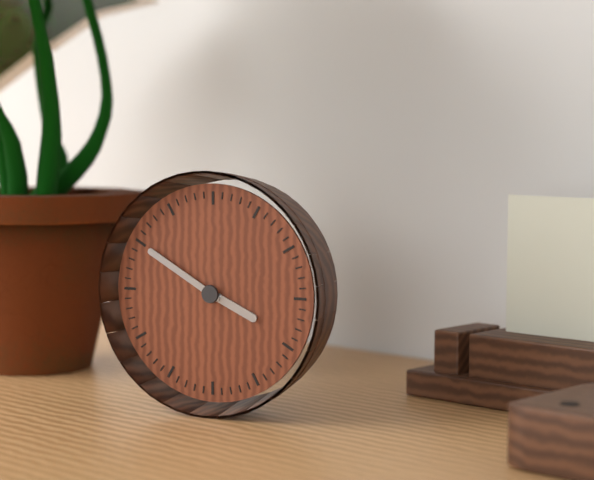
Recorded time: 3.50
